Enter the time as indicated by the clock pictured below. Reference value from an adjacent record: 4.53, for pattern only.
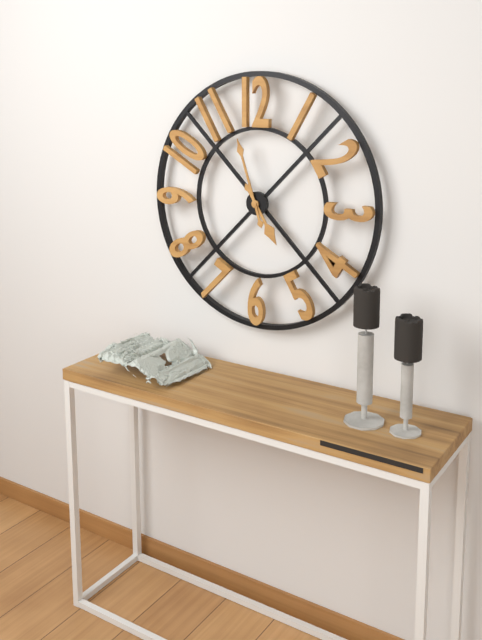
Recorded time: 4.57
